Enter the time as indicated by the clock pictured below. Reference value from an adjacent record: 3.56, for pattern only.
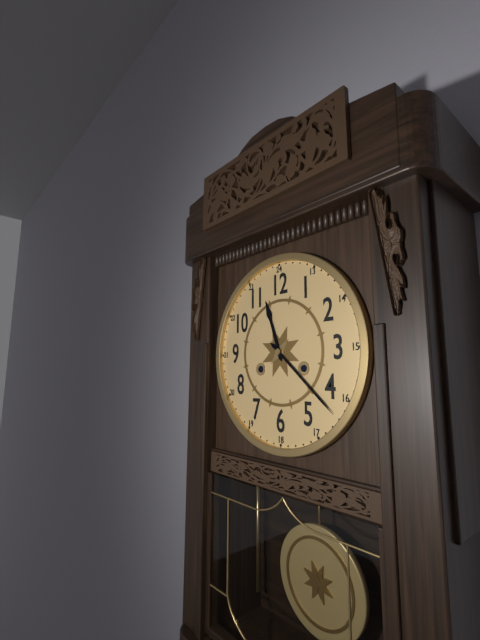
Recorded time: 11.22
